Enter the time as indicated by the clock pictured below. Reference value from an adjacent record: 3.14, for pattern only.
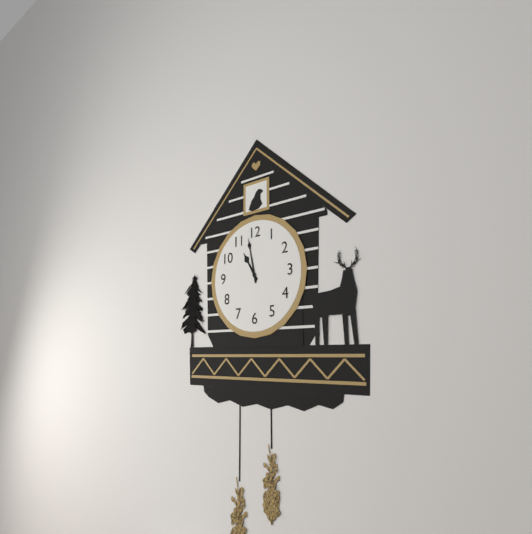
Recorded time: 10.58
